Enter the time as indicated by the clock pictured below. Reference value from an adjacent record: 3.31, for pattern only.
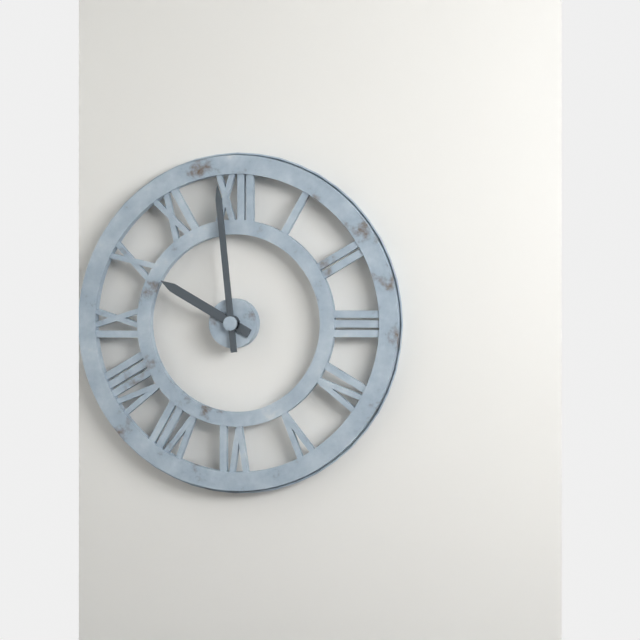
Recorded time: 9.59
